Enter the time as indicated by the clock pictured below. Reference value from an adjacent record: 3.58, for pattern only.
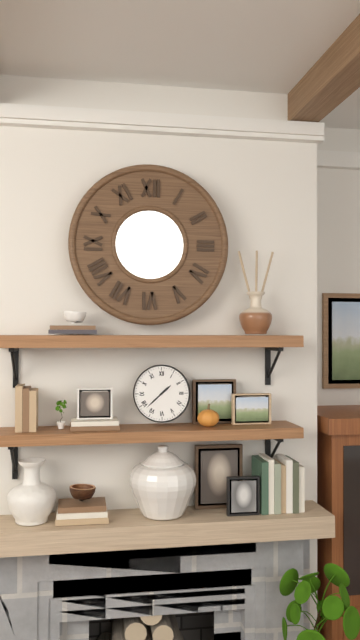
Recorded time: 1.38
